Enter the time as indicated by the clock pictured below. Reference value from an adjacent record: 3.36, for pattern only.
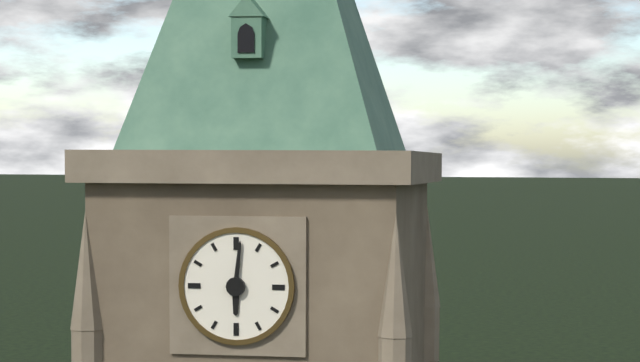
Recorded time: 6.01
